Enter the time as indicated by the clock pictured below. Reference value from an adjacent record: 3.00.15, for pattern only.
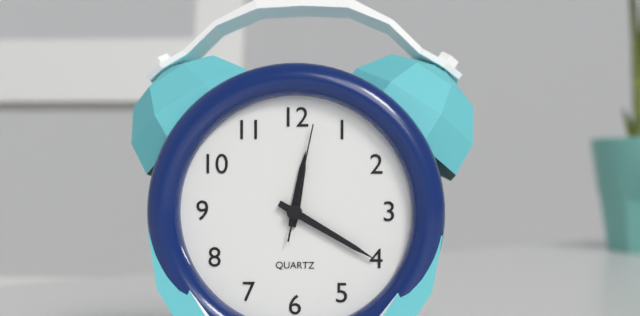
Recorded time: 12.20.02
